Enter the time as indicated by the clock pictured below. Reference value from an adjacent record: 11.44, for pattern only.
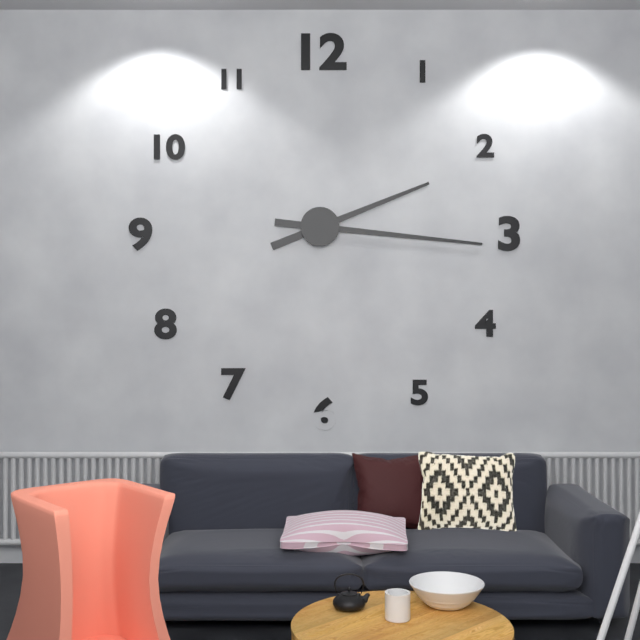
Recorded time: 2.16
